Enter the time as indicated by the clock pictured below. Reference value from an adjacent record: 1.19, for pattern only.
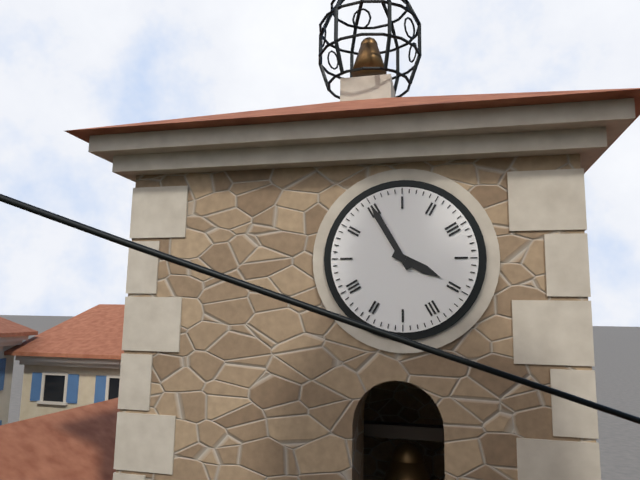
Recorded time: 3.55
